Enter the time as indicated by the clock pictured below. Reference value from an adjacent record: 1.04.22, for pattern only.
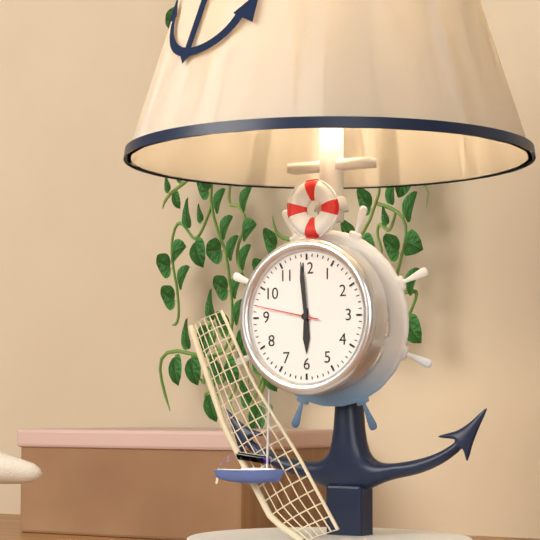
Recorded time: 5.59.47
